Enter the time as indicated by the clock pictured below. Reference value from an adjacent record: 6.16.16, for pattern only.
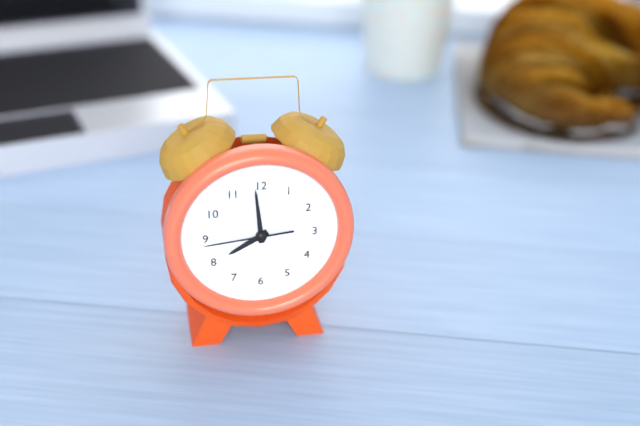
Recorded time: 7.59.44
